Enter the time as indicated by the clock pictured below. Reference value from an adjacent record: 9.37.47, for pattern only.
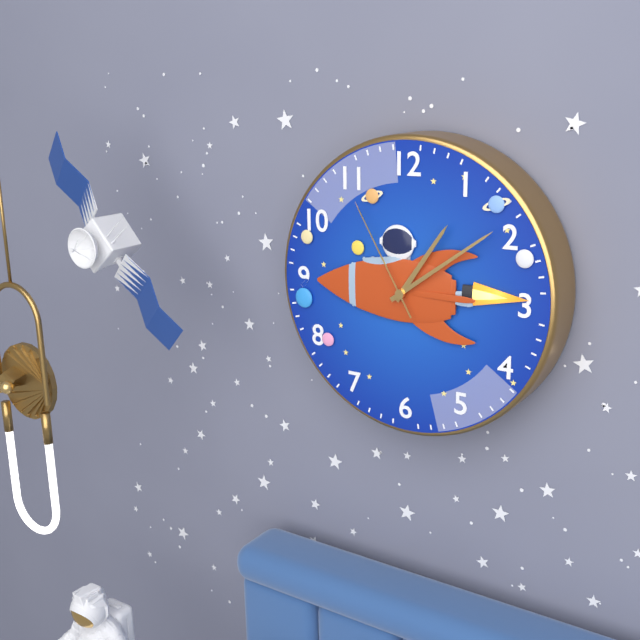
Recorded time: 1.09.55
